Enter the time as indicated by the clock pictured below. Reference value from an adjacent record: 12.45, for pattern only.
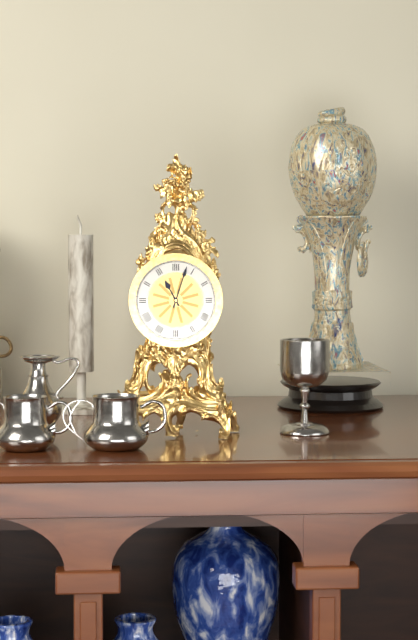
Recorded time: 11.03
